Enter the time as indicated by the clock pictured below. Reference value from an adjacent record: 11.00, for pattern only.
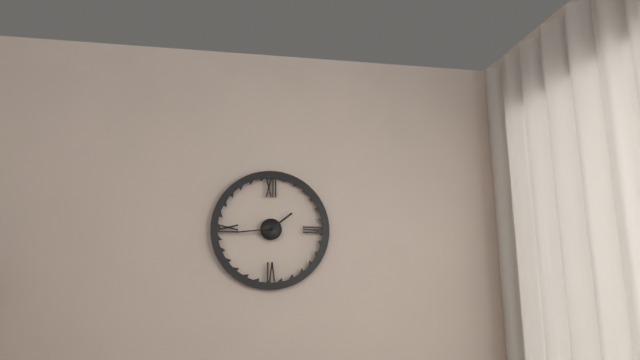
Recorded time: 1.44
